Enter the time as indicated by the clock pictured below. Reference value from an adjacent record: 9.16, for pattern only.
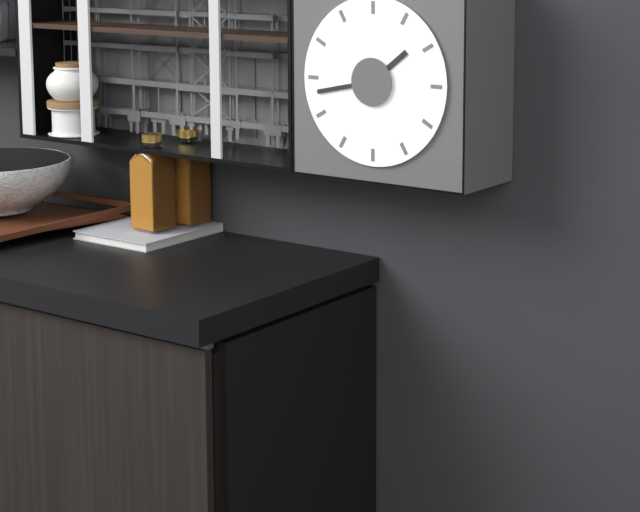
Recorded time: 1.43
